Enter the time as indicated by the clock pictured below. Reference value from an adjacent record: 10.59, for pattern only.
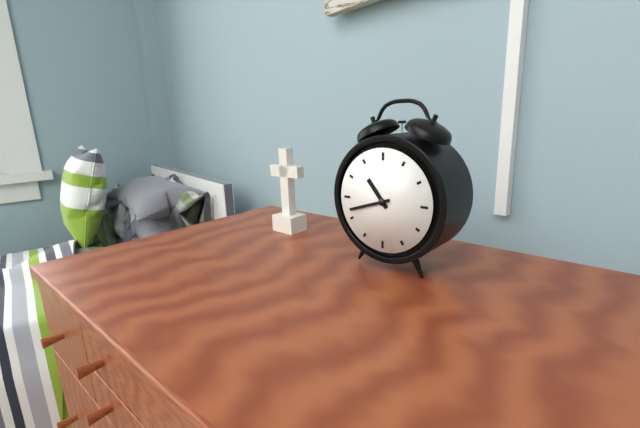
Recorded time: 10.42
